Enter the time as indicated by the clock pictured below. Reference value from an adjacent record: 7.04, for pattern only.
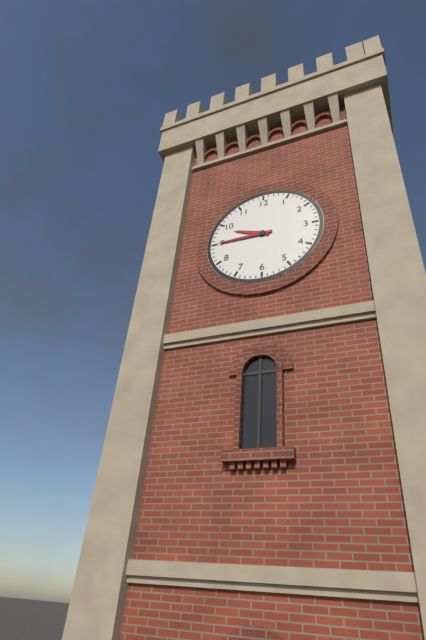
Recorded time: 9.45
